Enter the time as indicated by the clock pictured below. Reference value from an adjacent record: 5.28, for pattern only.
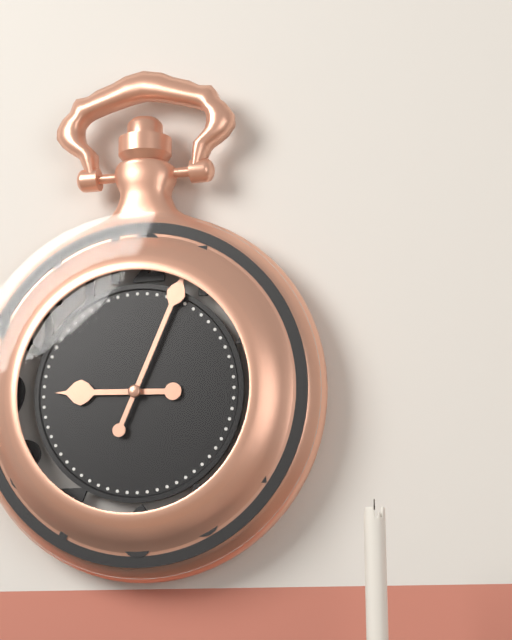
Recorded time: 9.04
